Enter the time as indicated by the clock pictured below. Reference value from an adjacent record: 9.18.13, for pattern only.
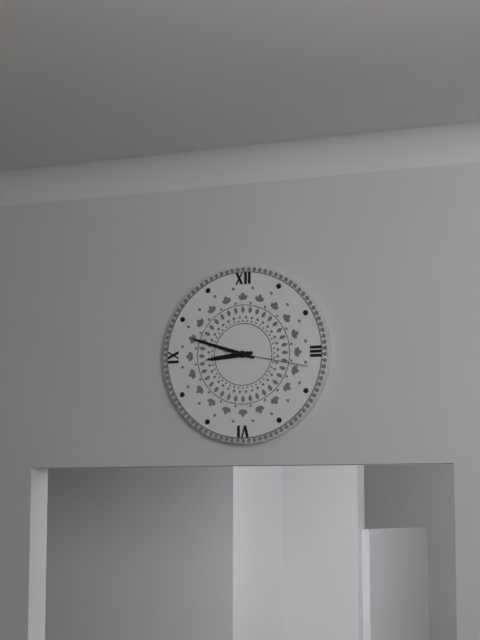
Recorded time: 8.48.17
